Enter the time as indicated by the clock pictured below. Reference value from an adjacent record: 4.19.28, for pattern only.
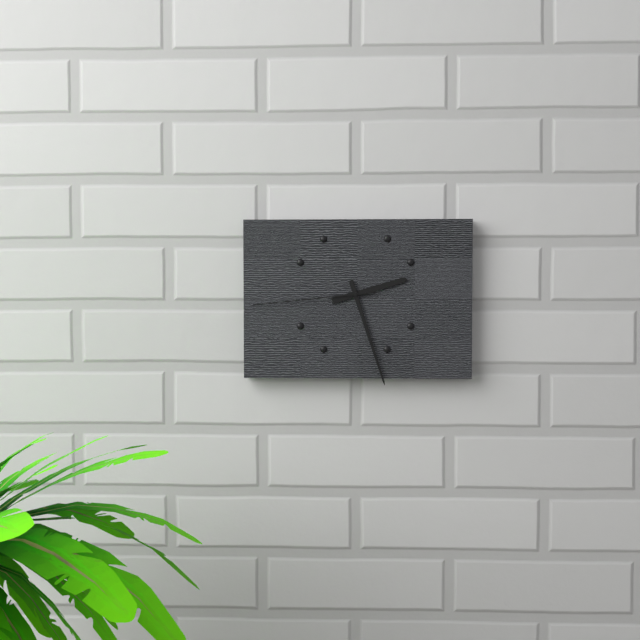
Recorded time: 2.27.44
